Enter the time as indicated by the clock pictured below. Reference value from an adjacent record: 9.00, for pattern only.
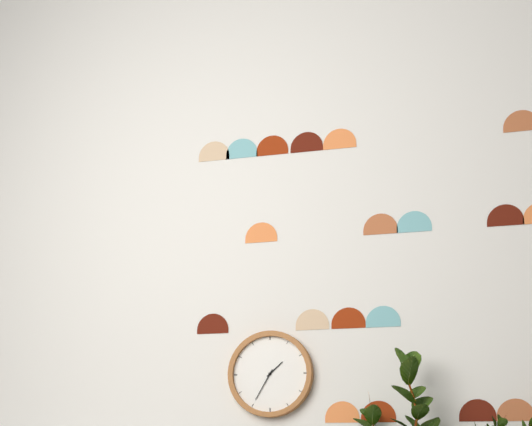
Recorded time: 1.35
